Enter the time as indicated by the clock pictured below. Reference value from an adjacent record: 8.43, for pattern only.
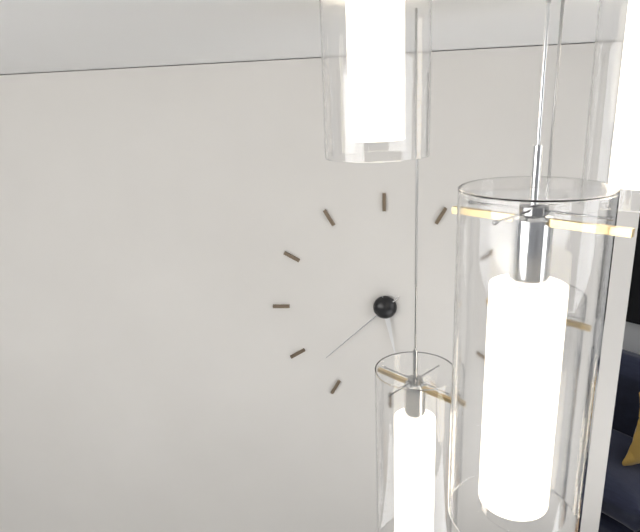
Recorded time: 5.38
